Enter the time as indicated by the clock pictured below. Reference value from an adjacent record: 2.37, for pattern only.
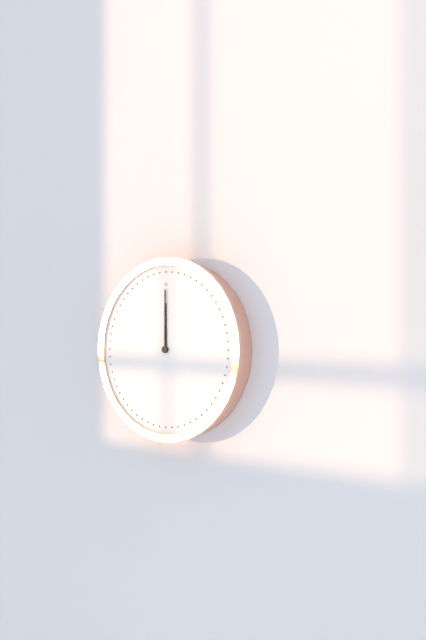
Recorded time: 12.00
